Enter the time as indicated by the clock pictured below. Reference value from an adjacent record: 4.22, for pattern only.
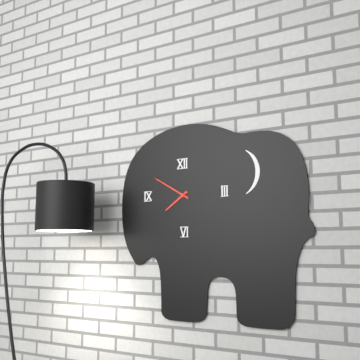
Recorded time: 7.50
